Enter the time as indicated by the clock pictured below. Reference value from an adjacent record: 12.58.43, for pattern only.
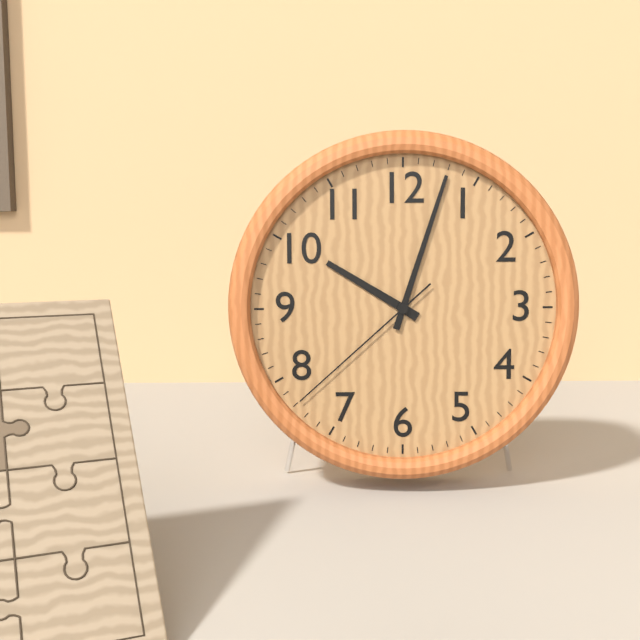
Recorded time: 10.03.38
